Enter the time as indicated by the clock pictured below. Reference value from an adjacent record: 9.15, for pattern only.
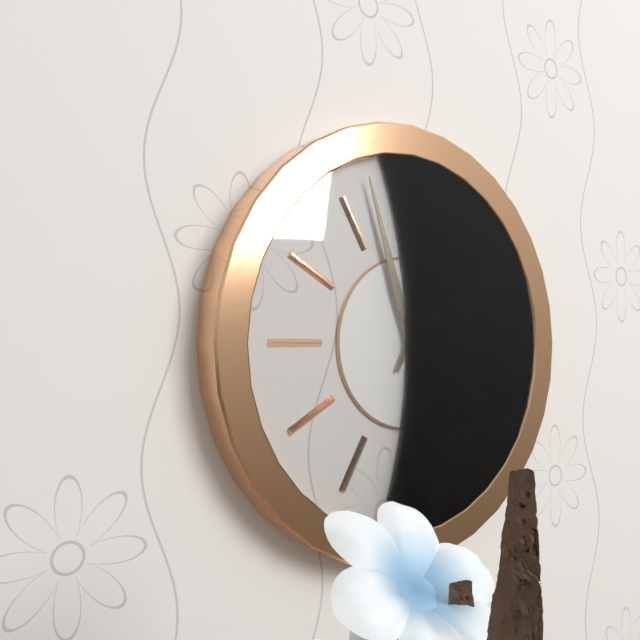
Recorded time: 12.57
